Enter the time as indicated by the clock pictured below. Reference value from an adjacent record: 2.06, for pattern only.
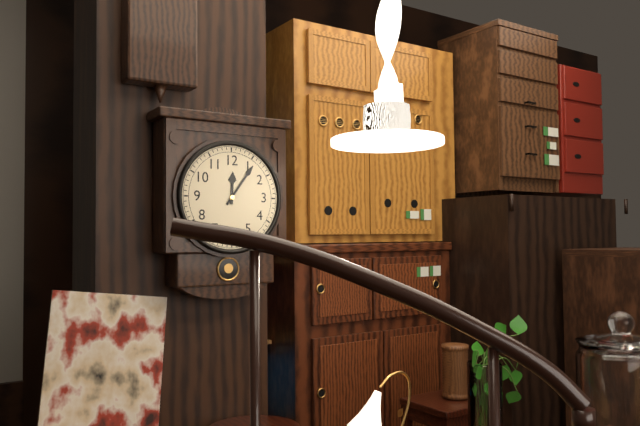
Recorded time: 12.06
